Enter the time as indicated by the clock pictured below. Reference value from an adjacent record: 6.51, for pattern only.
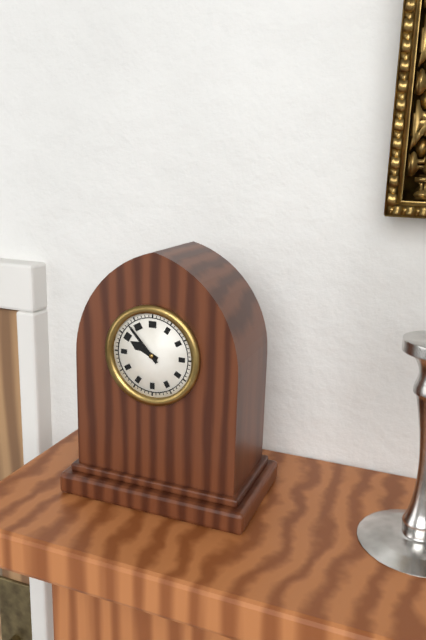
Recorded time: 9.53
